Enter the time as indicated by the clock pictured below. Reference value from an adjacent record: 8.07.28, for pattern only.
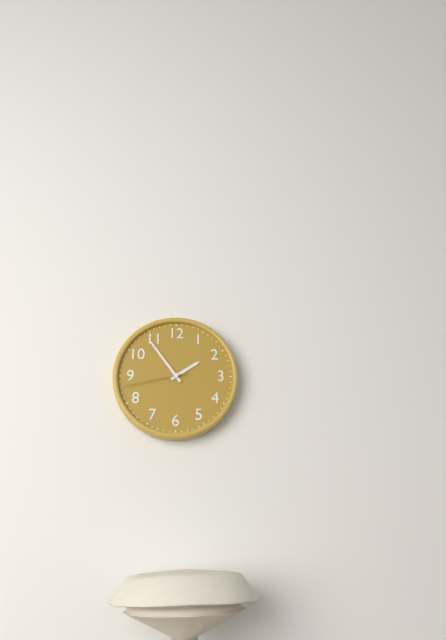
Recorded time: 1.54.43
